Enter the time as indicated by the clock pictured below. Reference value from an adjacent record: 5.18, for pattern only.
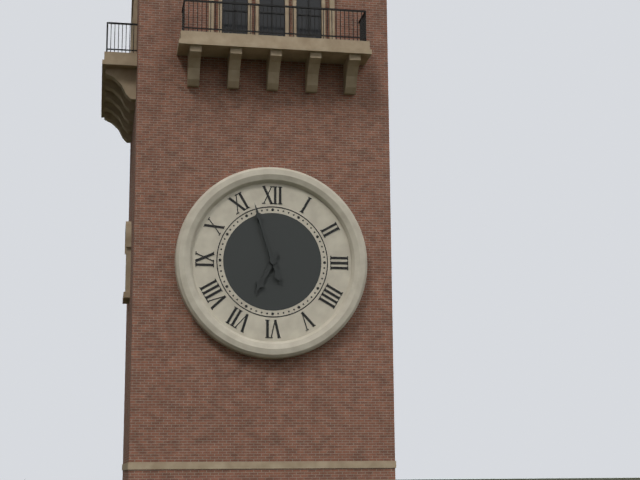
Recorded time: 6.57
